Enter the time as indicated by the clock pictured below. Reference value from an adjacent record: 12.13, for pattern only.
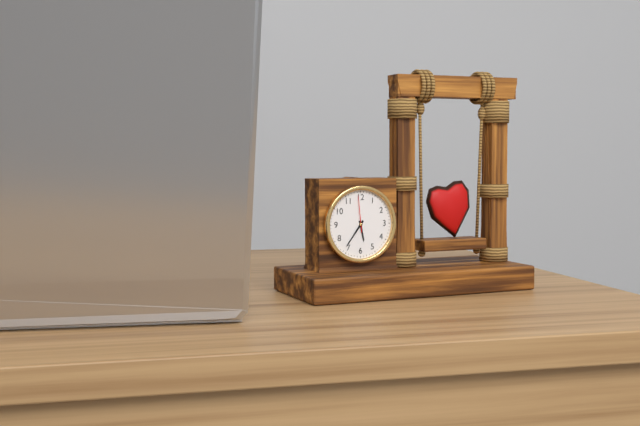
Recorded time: 5.36
